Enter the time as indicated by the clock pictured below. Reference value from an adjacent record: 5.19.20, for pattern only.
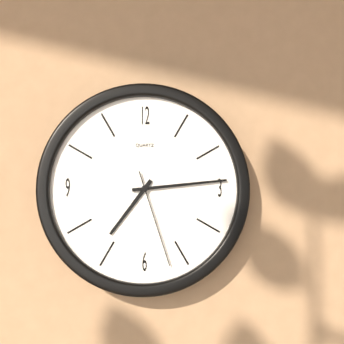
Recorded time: 7.14.27
